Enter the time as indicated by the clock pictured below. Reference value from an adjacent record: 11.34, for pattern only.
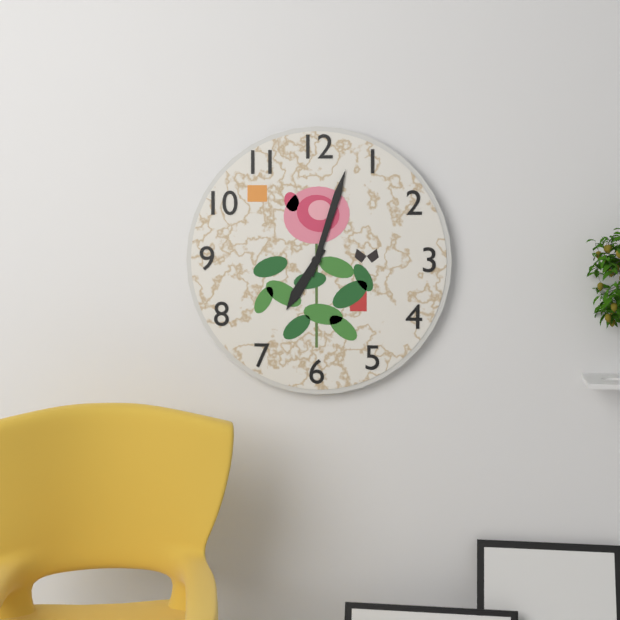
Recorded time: 7.03
